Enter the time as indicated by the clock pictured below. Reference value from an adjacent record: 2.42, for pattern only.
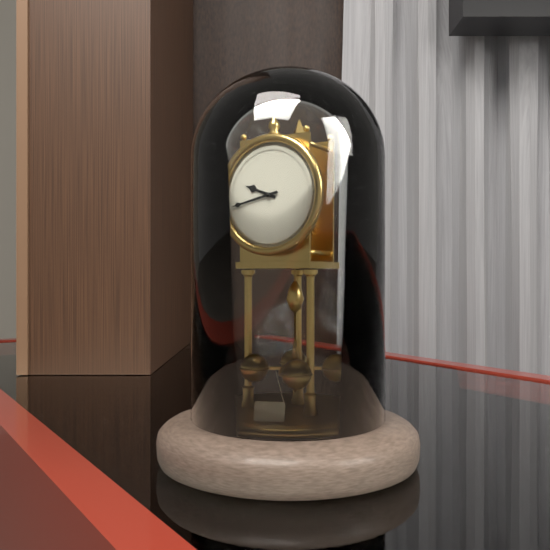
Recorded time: 9.43
